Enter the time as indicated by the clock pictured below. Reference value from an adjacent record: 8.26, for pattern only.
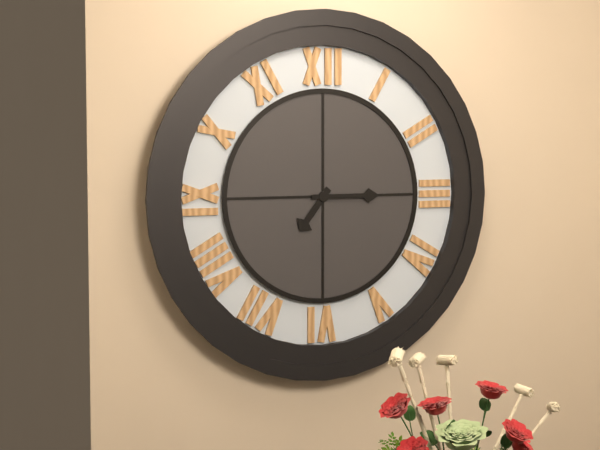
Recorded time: 7.15
